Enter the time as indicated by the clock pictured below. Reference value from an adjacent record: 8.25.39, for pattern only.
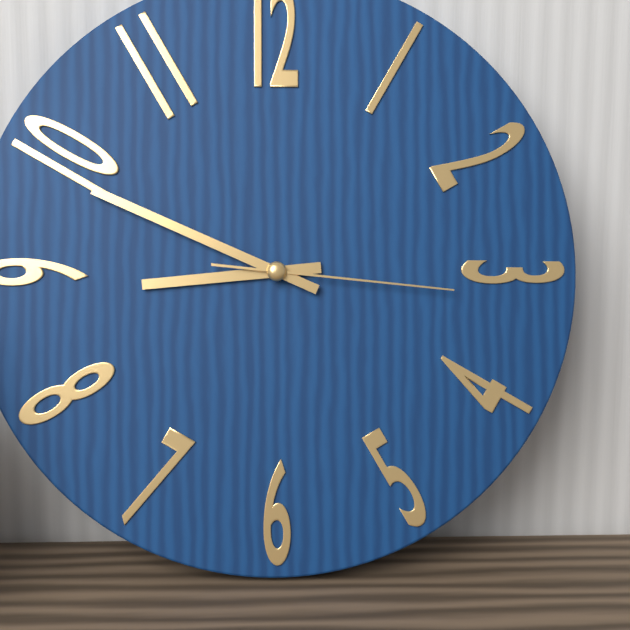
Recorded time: 8.49.16
